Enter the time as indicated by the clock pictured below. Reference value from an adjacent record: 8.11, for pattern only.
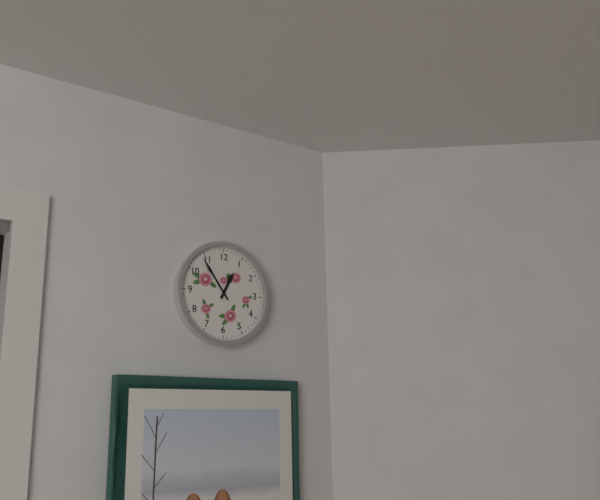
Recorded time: 12.54
